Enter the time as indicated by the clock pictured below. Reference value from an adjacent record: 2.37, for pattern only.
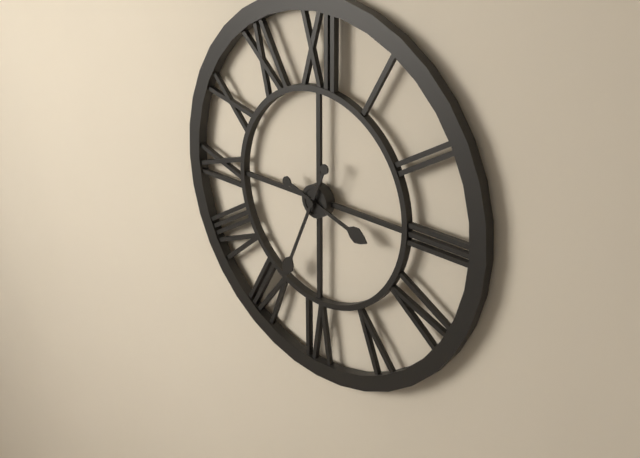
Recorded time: 3.34
